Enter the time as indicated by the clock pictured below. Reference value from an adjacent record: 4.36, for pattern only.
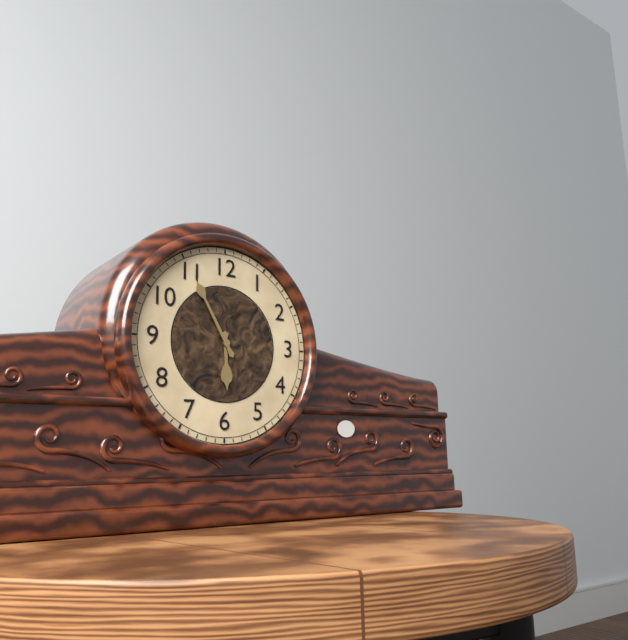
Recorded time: 5.55
